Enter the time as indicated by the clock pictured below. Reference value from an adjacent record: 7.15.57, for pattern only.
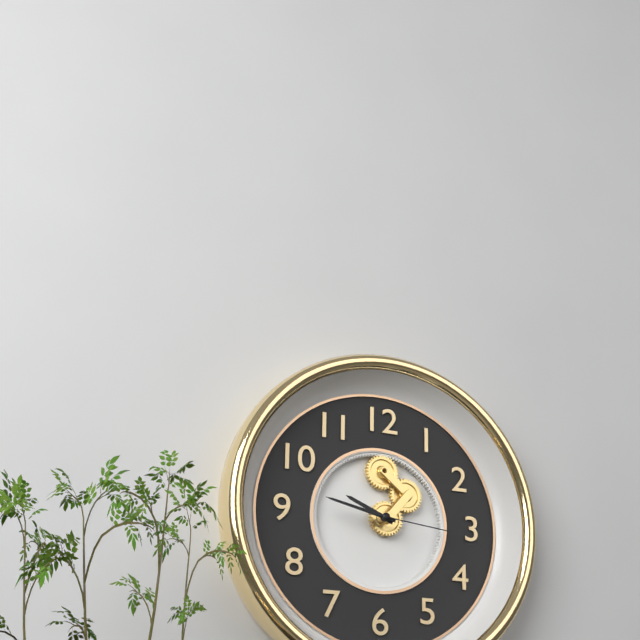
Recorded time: 9.47.16
